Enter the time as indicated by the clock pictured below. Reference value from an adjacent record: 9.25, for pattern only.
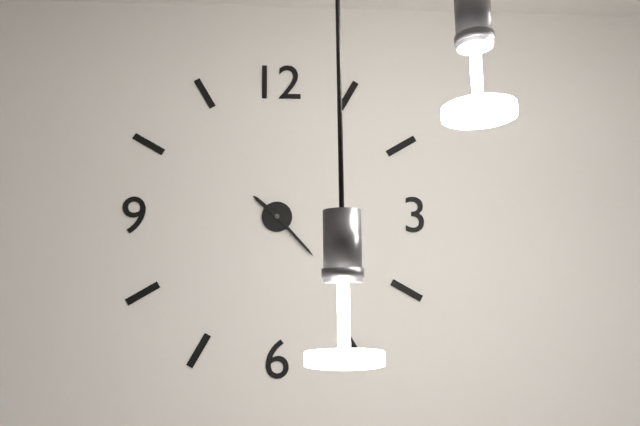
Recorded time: 10.23
